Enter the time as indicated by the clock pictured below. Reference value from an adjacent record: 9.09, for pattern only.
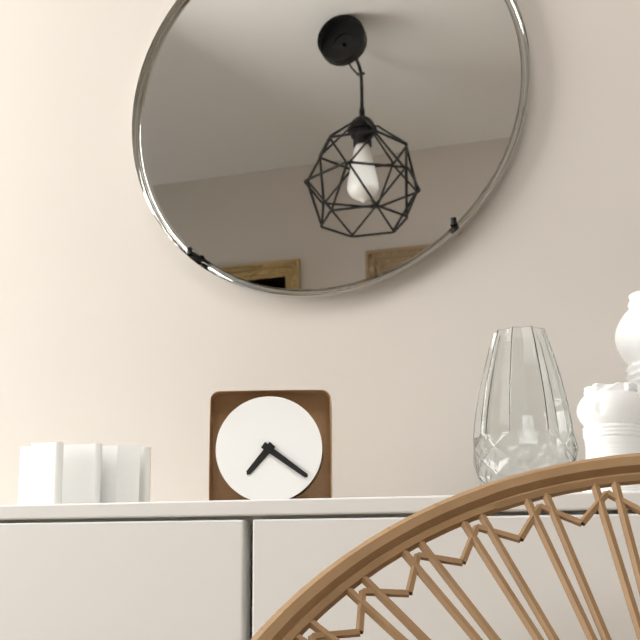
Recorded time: 7.21
